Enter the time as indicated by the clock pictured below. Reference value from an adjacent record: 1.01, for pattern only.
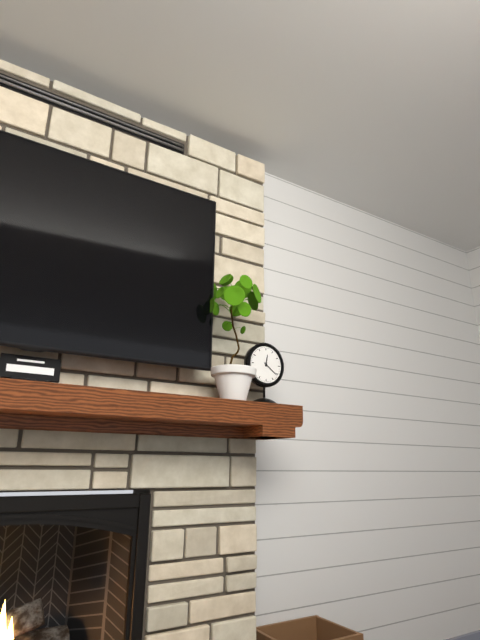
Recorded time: 12.21
